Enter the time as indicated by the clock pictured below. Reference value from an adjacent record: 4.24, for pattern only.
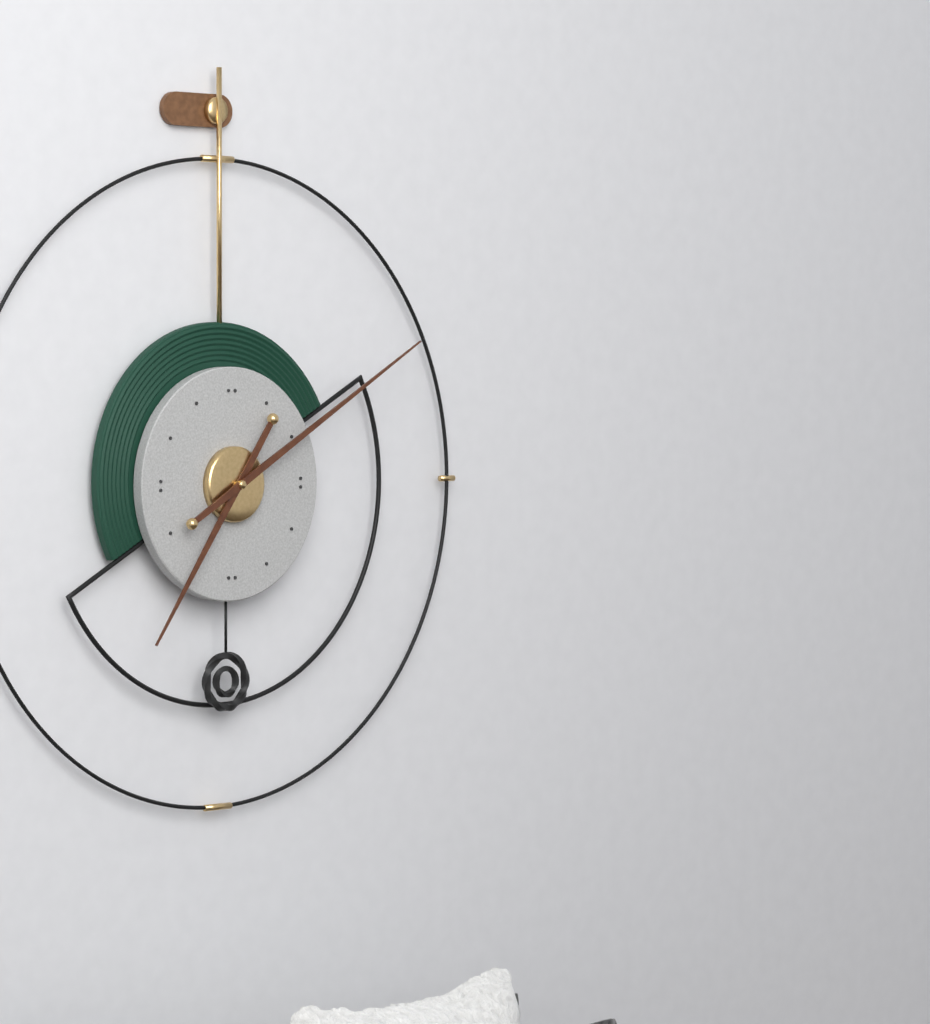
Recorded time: 7.10
